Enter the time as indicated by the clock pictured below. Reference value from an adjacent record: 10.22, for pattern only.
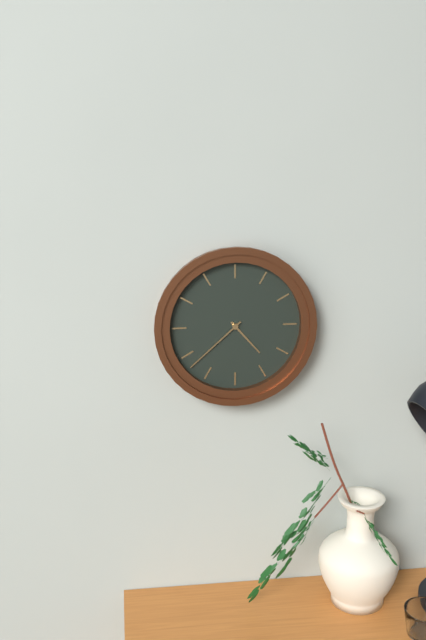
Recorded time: 4.38
